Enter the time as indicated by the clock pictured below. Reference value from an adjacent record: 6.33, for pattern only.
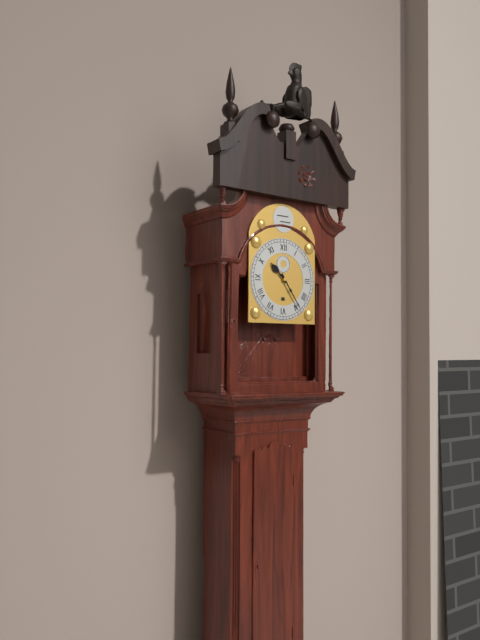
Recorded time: 10.24
